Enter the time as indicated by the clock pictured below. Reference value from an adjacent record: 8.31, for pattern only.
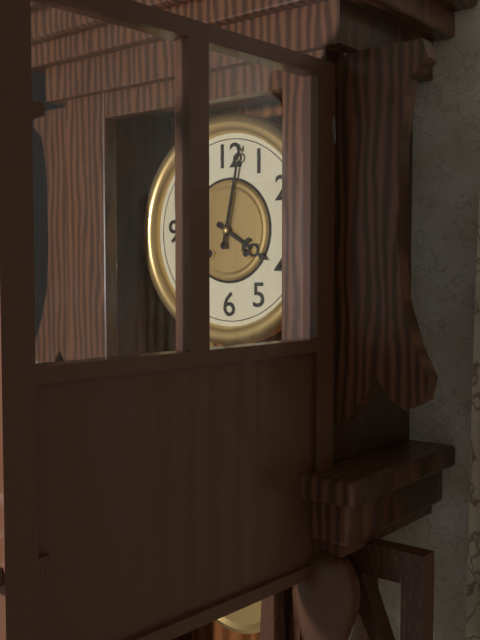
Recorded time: 4.02
